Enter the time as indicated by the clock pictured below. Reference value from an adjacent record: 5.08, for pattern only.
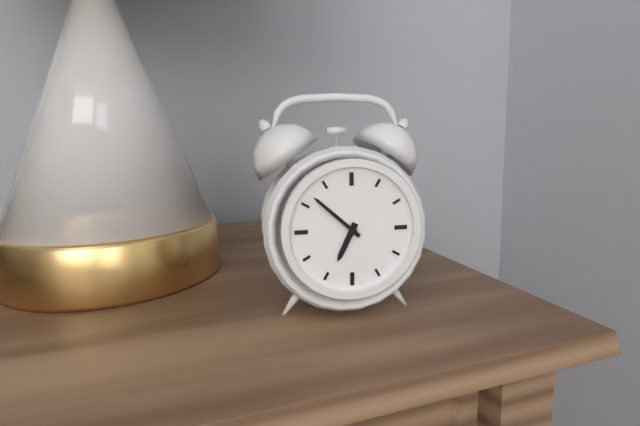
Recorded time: 6.52
